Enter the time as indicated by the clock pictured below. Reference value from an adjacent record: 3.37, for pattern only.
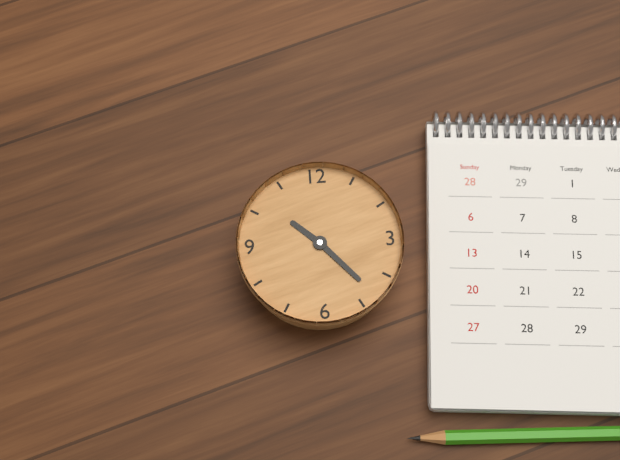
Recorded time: 10.23
